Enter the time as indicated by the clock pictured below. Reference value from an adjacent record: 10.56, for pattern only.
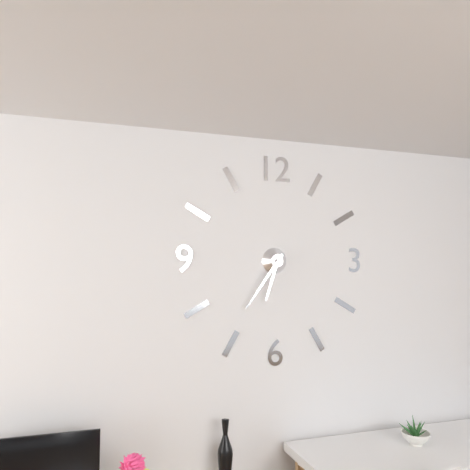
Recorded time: 6.36
